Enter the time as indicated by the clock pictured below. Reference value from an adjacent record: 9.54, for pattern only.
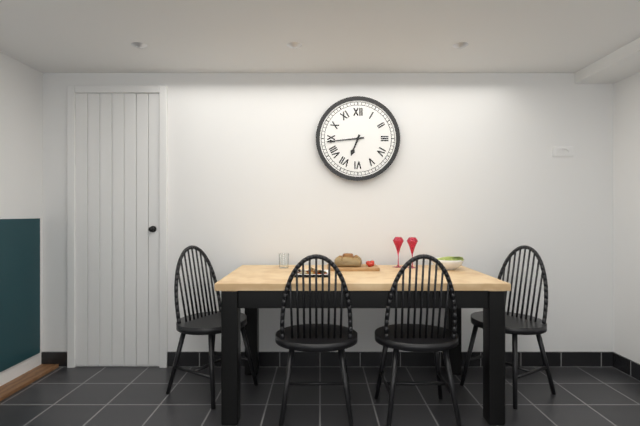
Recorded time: 6.44
